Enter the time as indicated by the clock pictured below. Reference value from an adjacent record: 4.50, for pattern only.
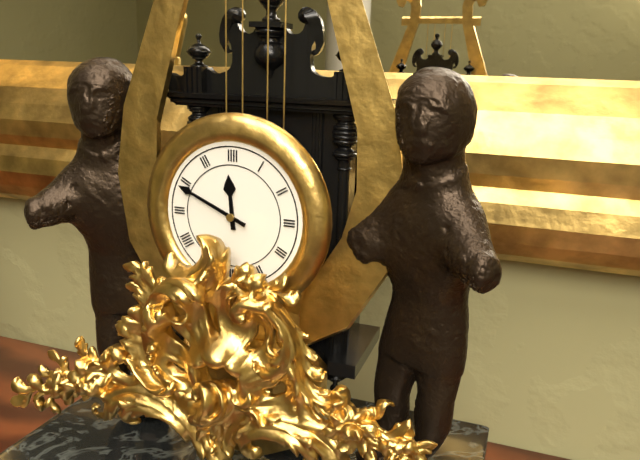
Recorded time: 11.49
